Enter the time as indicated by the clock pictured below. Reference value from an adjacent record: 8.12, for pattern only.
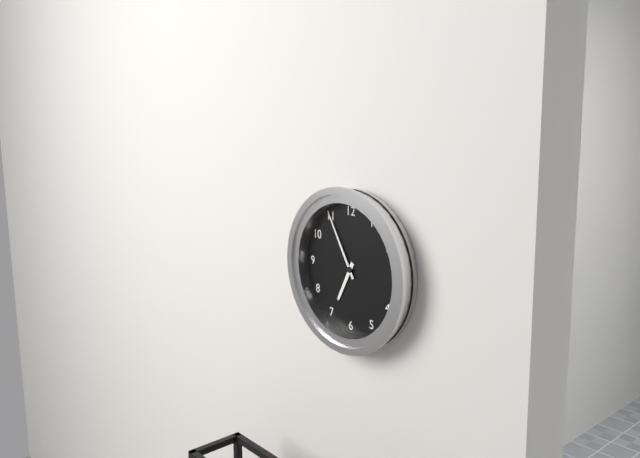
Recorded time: 6.55
